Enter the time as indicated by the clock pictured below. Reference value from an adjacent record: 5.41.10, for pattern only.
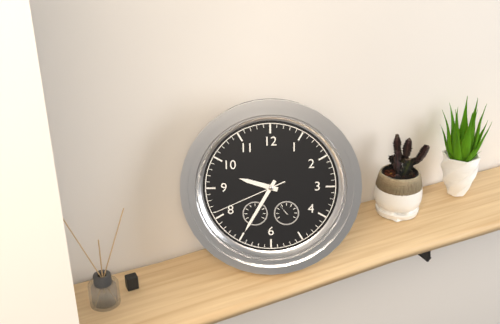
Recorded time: 9.35.41
